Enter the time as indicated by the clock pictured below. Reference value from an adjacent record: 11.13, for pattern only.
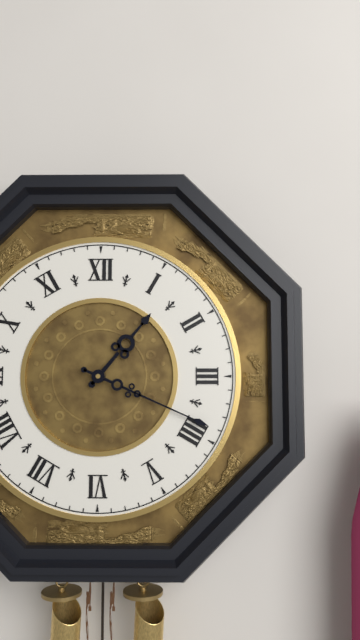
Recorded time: 1.19
